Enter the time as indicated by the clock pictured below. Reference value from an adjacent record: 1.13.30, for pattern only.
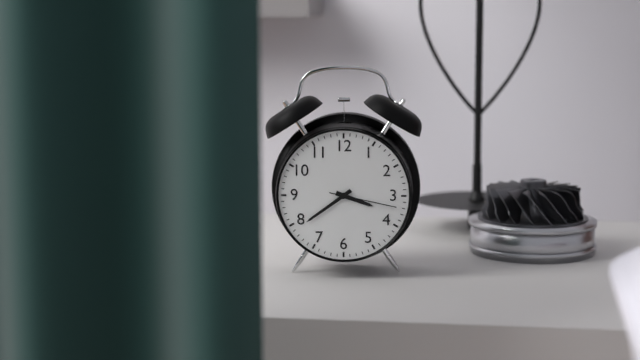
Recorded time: 3.39.17
